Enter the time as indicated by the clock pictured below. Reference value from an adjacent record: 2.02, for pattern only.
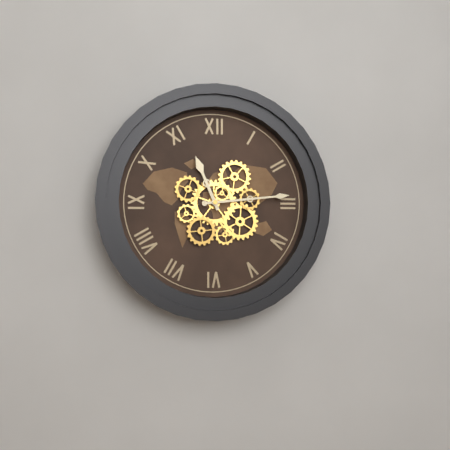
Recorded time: 11.14
